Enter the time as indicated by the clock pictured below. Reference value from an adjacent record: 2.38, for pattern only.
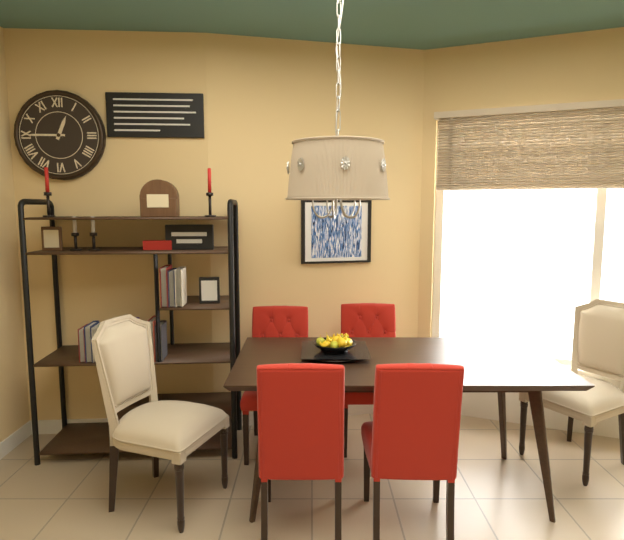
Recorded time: 12.45
